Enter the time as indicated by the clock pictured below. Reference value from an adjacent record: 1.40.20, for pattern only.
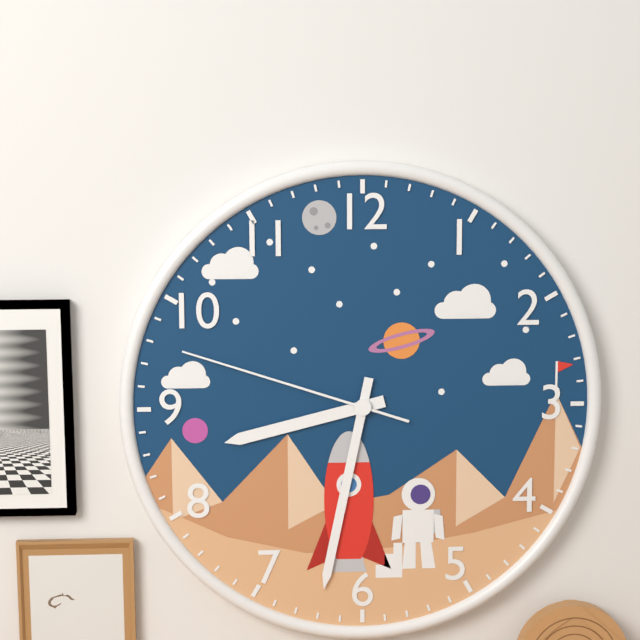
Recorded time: 8.32.48
